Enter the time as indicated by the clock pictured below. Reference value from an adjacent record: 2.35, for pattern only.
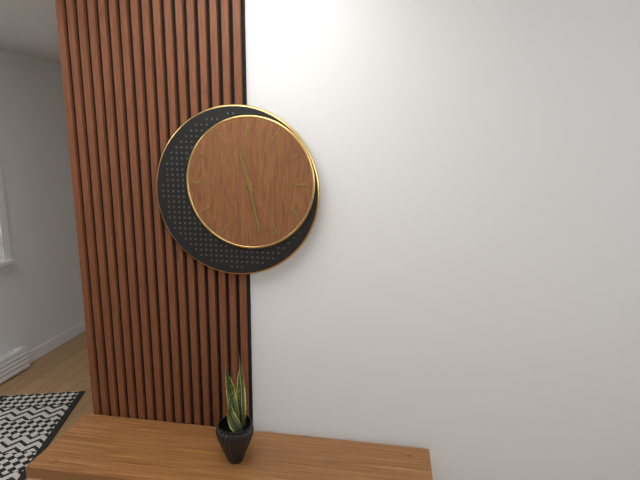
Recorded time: 11.28
